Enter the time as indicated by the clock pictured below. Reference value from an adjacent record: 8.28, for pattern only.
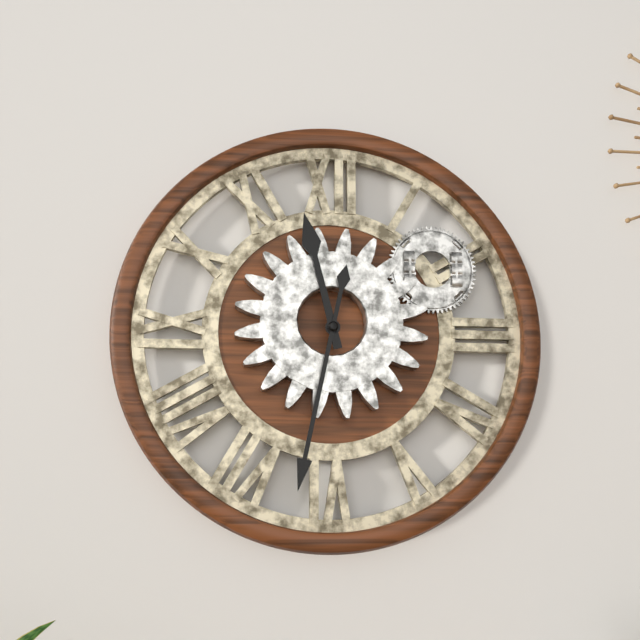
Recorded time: 11.32
